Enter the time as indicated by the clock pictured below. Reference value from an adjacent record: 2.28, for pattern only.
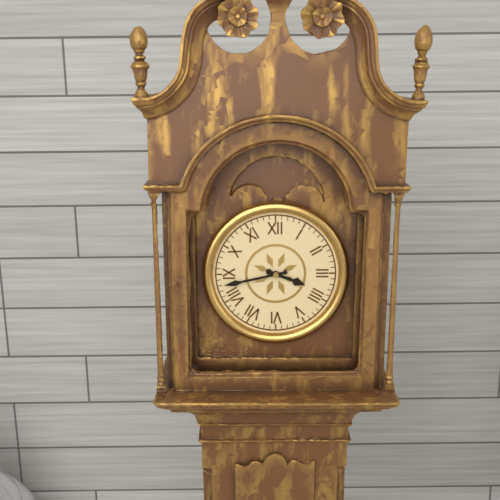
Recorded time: 3.43
